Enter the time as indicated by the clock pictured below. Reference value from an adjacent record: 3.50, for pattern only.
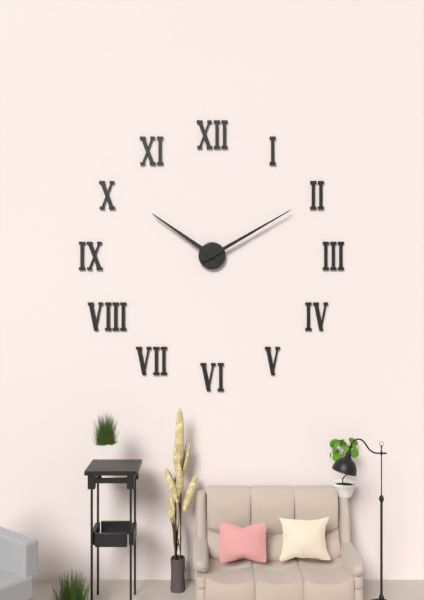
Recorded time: 10.10
